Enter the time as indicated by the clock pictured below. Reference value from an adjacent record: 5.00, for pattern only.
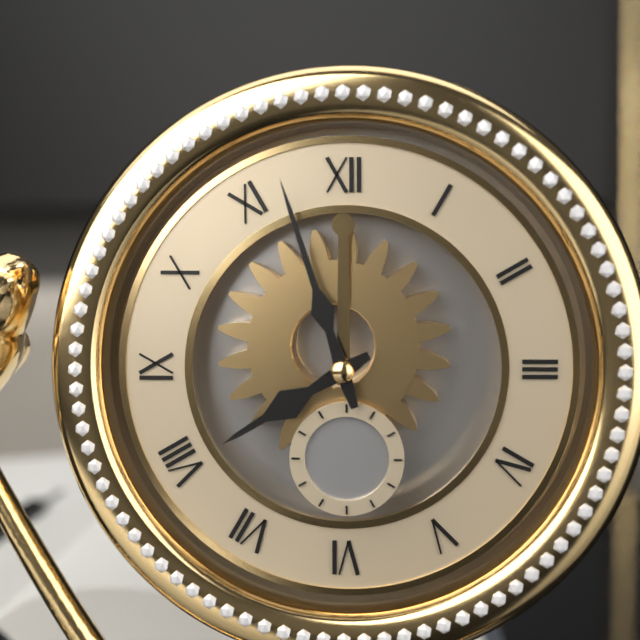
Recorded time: 7.57
